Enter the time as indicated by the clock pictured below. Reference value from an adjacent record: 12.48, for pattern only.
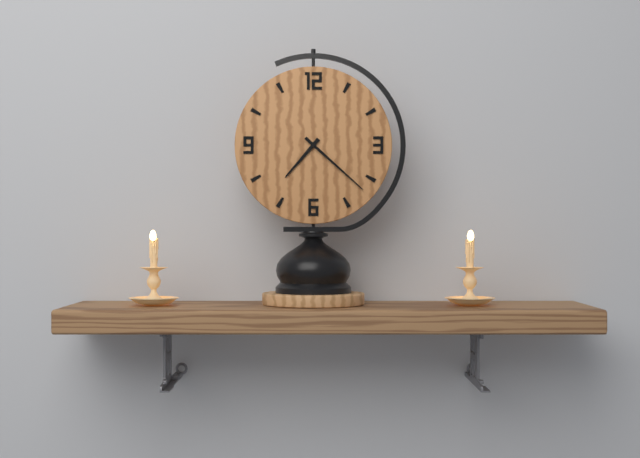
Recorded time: 7.22
